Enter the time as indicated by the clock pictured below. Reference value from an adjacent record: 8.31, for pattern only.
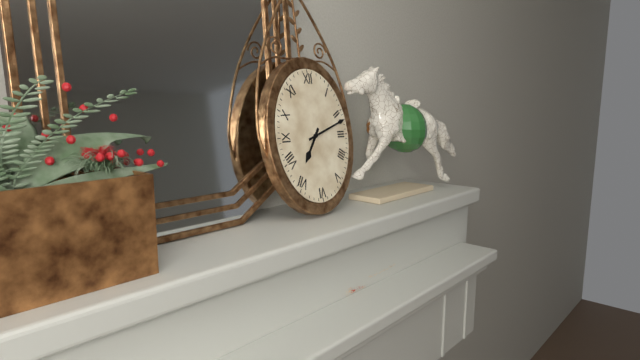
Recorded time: 7.12
